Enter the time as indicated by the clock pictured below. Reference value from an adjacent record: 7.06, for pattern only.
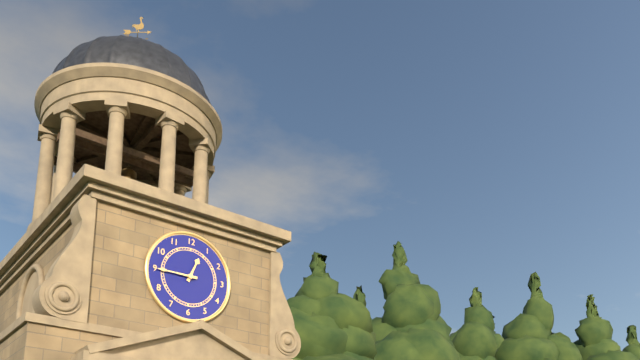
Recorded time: 12.45
